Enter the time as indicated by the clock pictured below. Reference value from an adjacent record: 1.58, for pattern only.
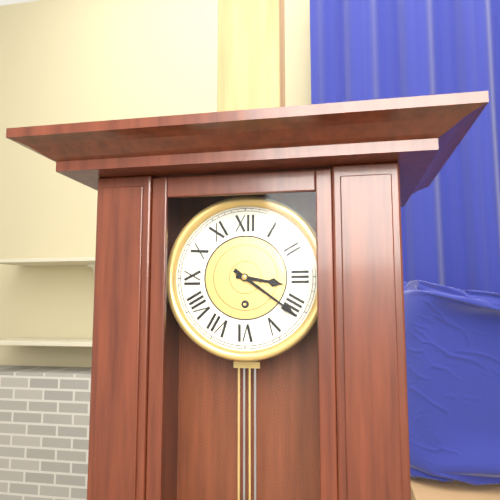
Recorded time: 3.21
